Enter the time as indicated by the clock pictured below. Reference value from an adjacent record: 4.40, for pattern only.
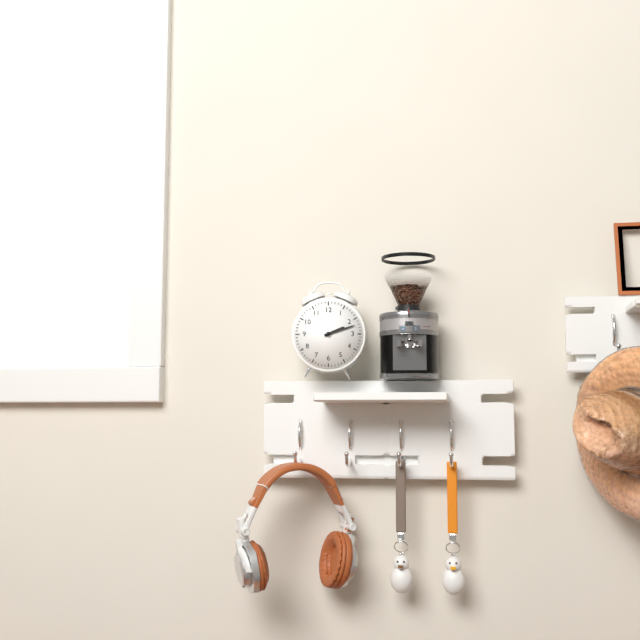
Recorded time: 2.12
